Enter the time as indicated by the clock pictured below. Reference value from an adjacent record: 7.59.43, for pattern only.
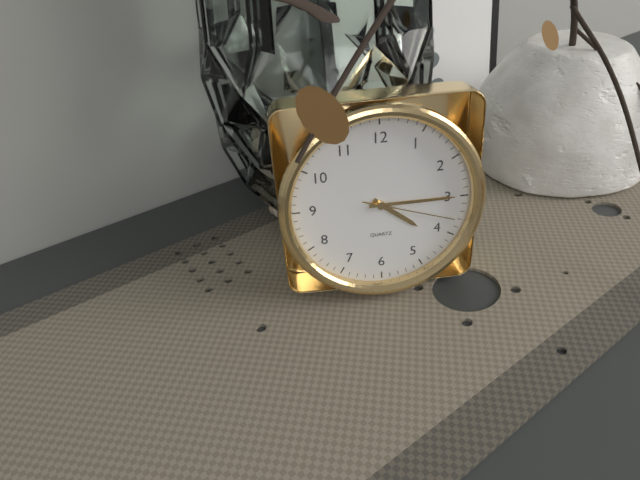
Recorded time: 4.15.18
